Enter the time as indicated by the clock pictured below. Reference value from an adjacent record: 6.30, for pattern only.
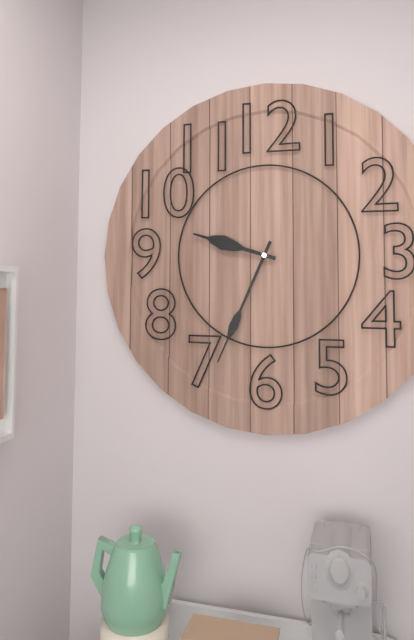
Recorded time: 9.34
